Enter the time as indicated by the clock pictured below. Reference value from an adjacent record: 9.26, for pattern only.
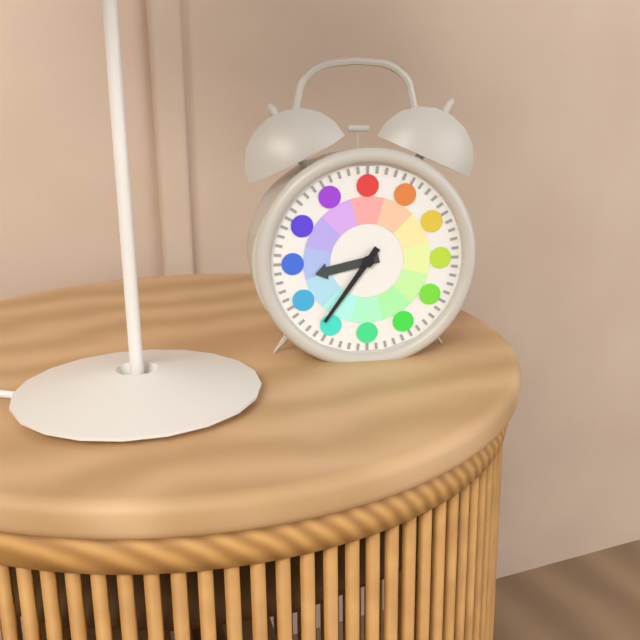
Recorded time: 8.36
